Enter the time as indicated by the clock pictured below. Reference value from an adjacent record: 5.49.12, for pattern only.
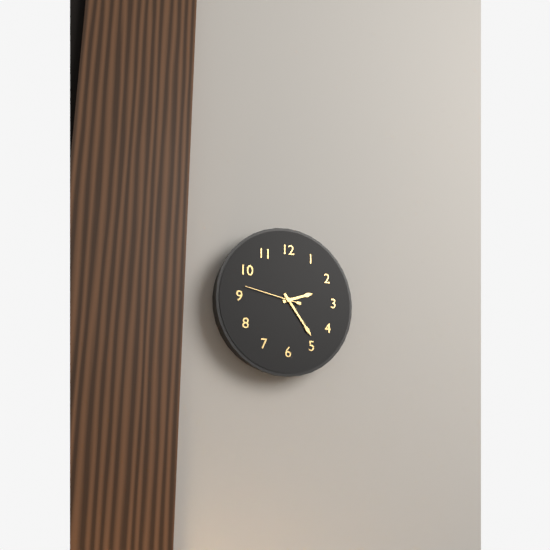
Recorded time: 2.24.47
